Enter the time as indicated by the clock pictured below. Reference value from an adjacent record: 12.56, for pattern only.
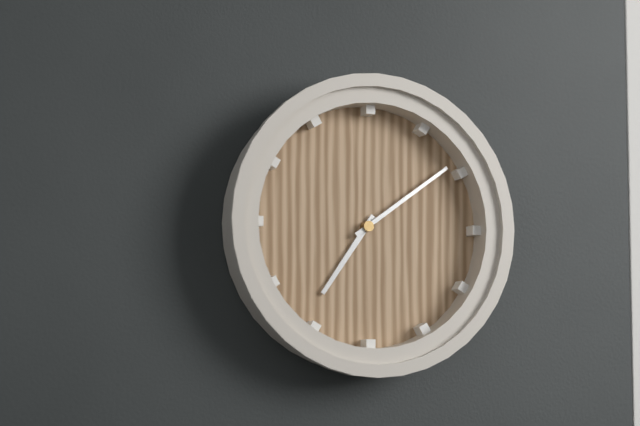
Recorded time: 7.09
